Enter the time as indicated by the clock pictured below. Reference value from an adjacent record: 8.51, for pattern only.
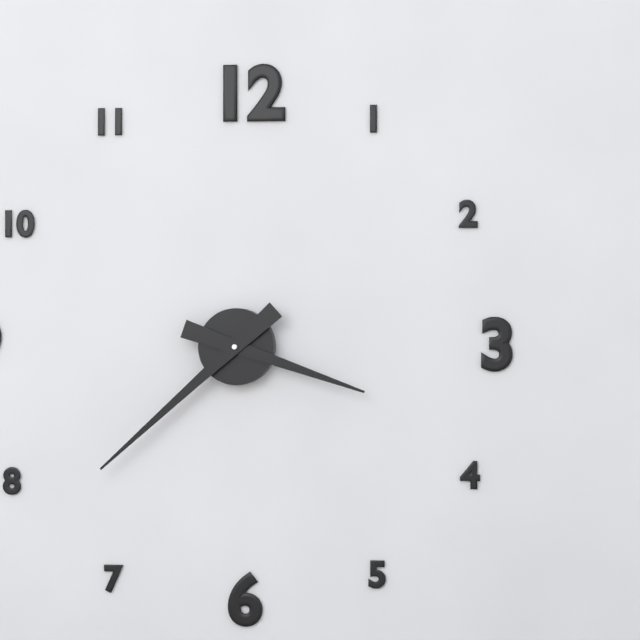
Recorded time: 3.38
